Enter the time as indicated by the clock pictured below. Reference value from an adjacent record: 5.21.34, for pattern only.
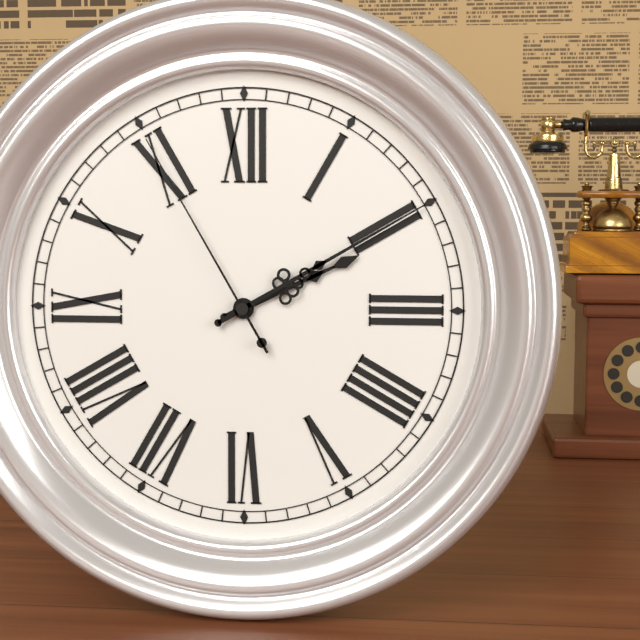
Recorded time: 2.10.55
